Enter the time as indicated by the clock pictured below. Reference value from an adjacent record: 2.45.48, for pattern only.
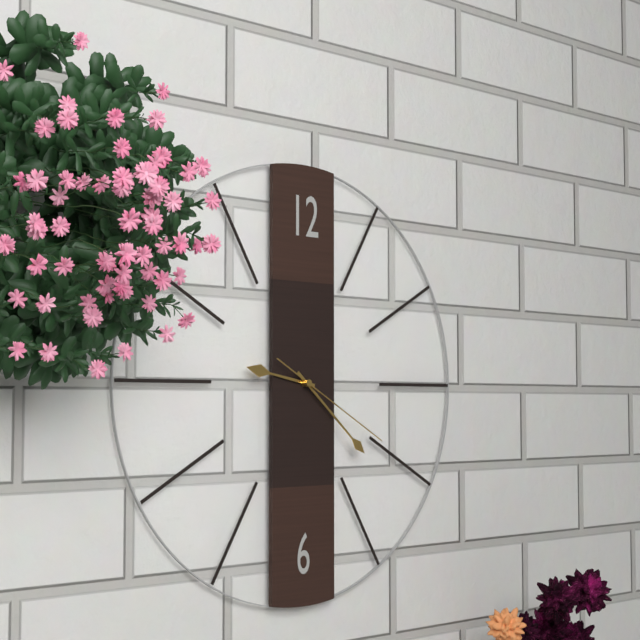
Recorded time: 9.22.20
